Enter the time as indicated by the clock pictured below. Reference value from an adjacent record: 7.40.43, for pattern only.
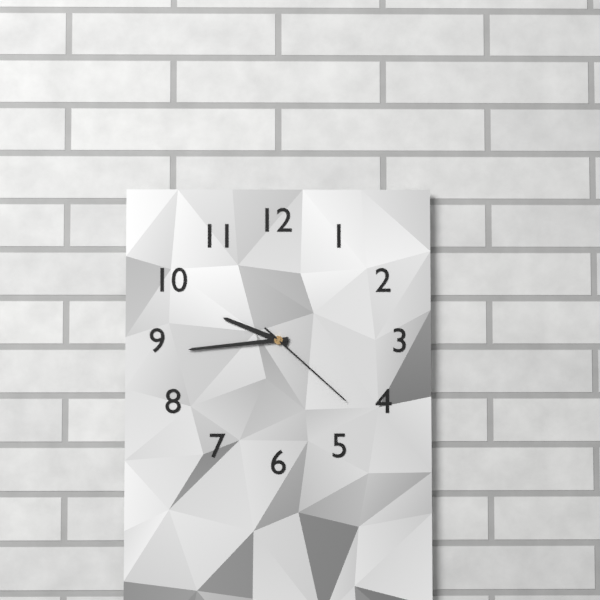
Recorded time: 9.44.22
